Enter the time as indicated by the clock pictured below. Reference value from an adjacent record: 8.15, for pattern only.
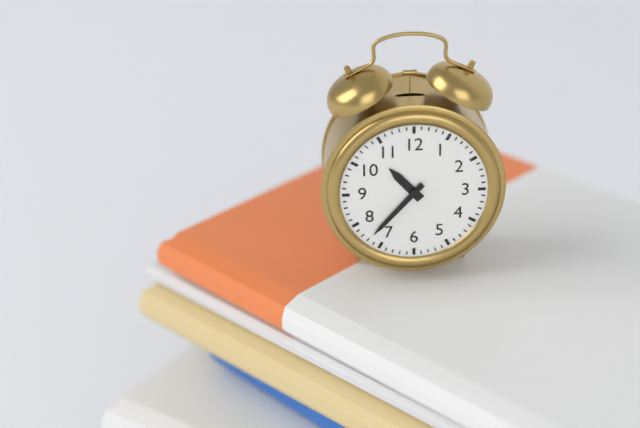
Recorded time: 10.37
